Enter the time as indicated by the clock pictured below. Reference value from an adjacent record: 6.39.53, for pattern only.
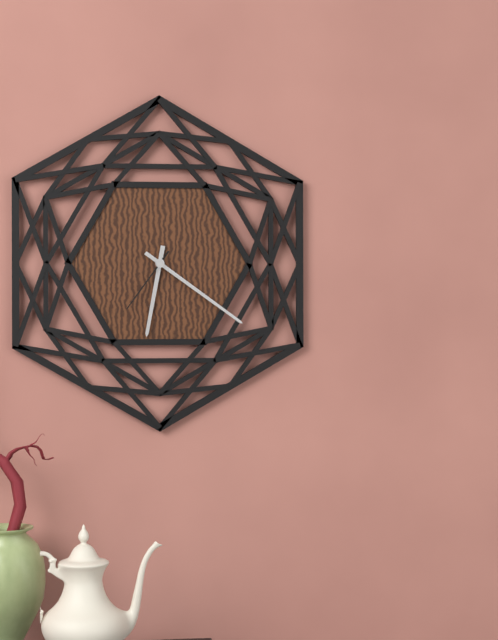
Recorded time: 6.21.36
